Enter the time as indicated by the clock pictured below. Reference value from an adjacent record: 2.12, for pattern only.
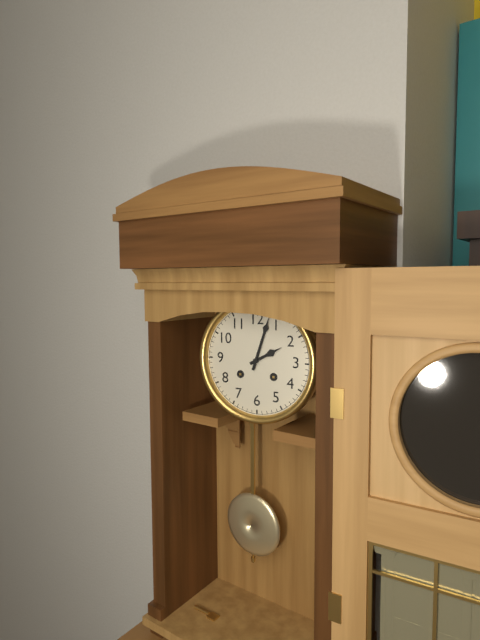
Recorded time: 2.03
